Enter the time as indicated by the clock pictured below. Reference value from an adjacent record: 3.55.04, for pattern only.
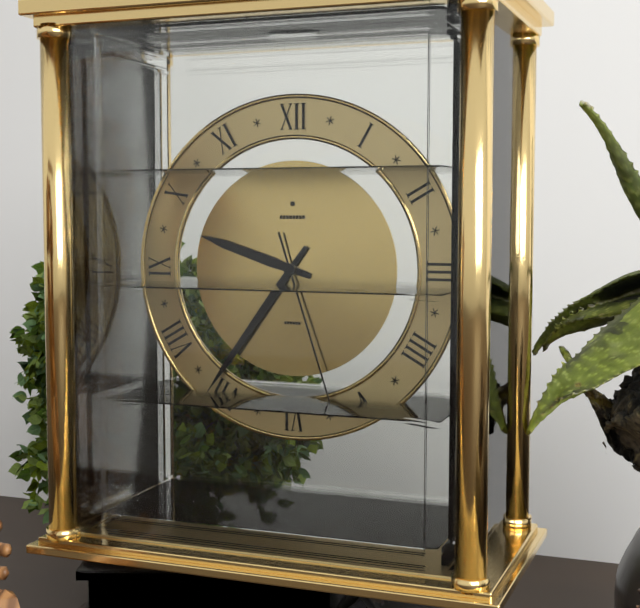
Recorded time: 9.36.27
